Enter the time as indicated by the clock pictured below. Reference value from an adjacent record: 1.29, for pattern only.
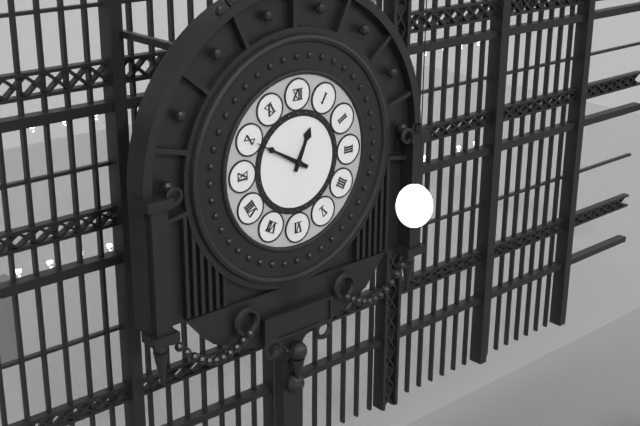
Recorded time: 12.50
